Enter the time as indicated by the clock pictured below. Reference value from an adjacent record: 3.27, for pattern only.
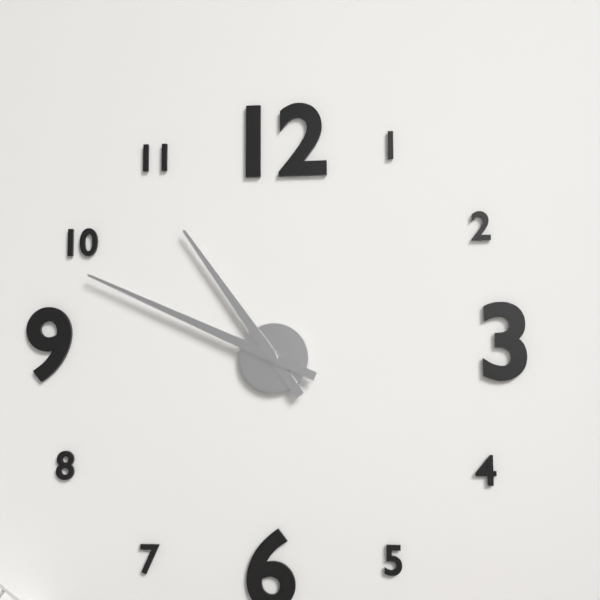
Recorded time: 10.49
